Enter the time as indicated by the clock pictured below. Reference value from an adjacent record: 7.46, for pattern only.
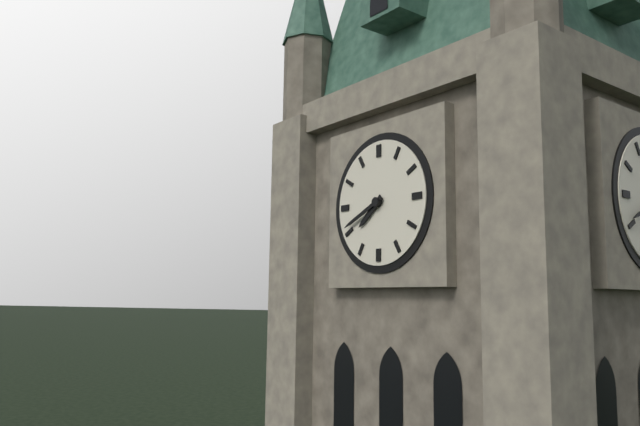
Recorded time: 7.41
